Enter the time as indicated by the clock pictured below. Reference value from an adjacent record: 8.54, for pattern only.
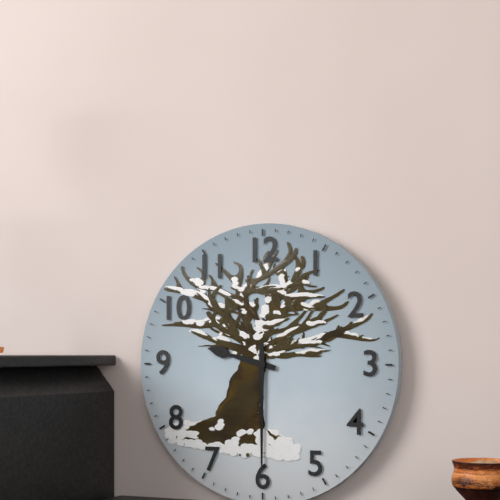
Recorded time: 9.30
